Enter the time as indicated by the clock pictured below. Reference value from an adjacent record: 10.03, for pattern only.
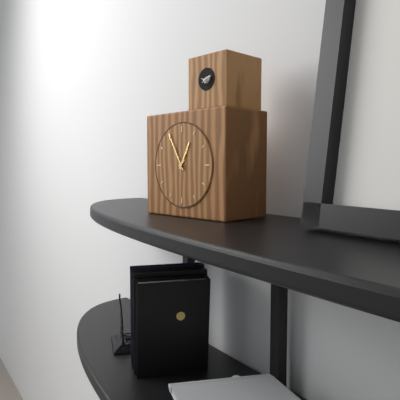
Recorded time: 12.55
